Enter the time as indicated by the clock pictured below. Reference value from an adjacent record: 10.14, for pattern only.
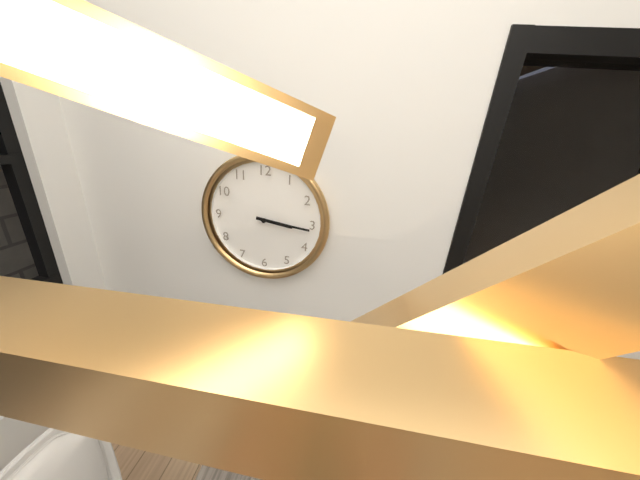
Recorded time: 3.16
